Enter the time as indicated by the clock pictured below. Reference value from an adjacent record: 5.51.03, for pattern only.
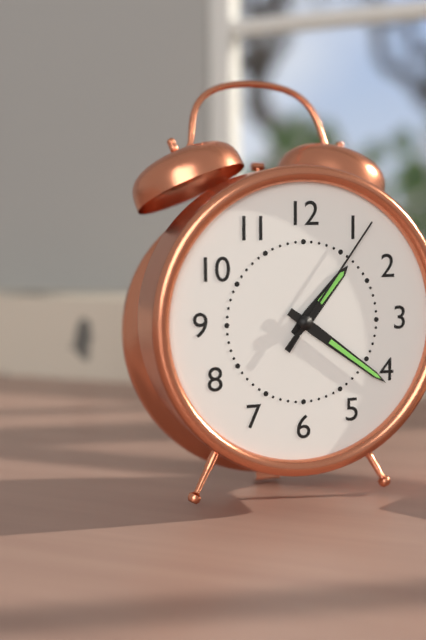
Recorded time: 1.21.06
